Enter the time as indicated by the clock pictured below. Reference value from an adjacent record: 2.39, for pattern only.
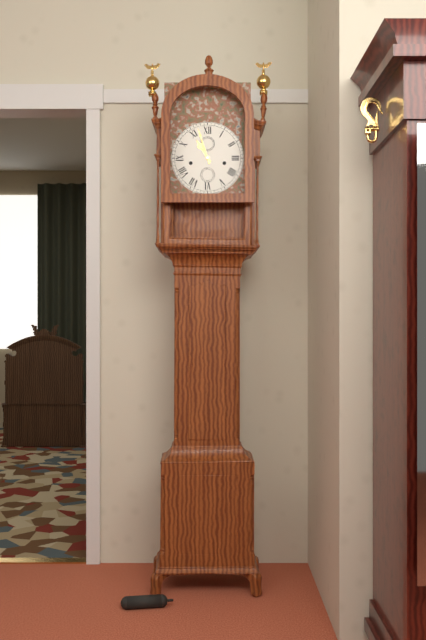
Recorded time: 10.57
